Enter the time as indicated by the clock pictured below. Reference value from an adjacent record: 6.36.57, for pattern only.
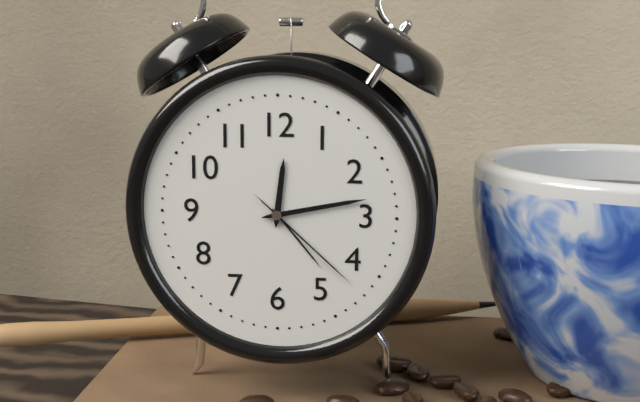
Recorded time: 12.13.22
